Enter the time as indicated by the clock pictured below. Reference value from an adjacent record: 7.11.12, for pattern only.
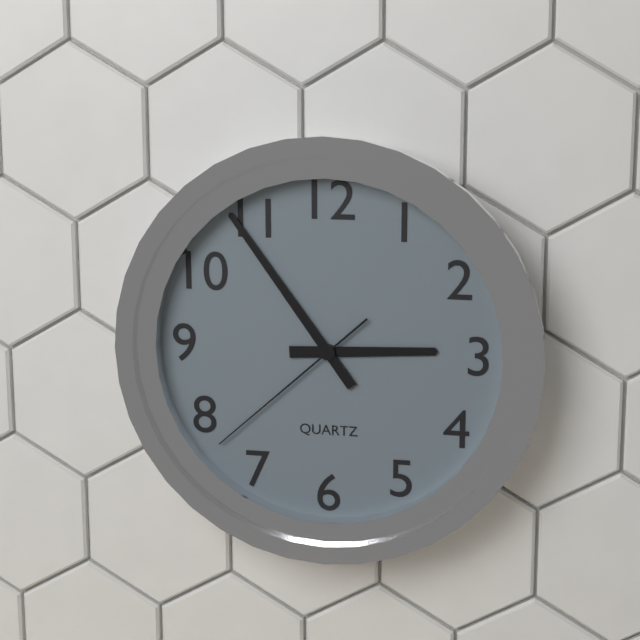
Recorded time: 2.54.38
